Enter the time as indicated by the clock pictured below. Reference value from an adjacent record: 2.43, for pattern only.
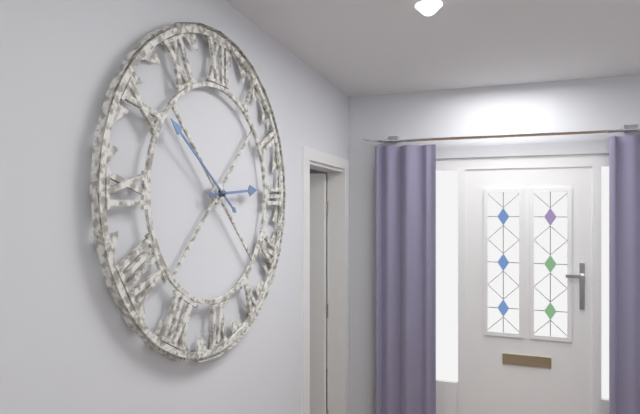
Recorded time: 2.51
